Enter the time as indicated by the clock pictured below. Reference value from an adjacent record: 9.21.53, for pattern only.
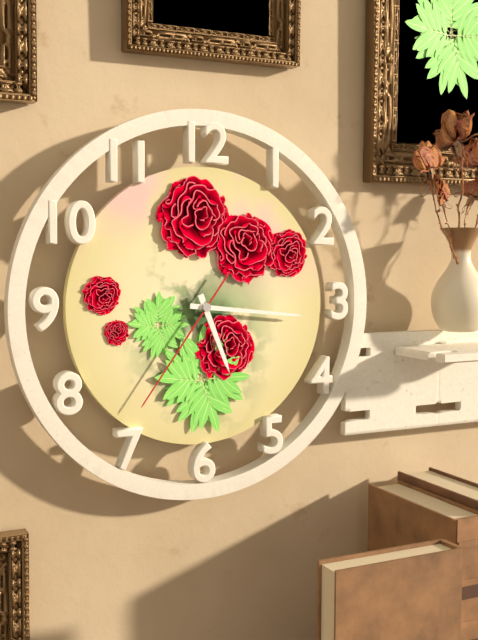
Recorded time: 5.16.36
